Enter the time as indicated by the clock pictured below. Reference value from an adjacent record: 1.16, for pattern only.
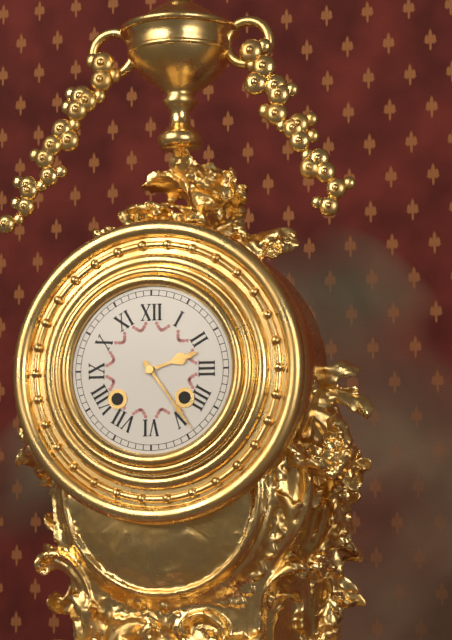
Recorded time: 2.24
